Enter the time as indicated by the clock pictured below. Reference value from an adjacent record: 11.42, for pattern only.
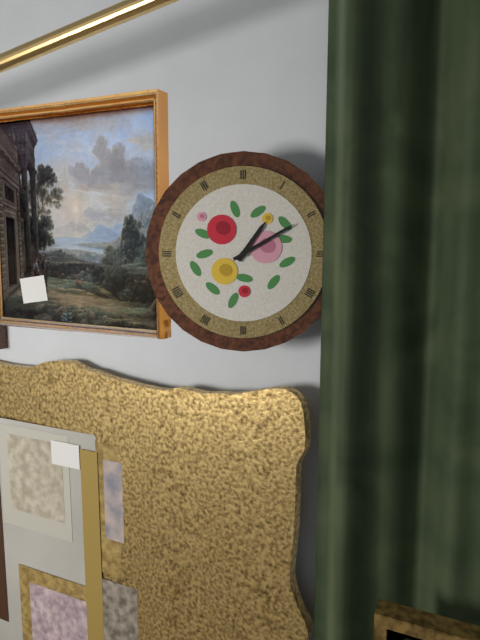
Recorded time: 1.10
